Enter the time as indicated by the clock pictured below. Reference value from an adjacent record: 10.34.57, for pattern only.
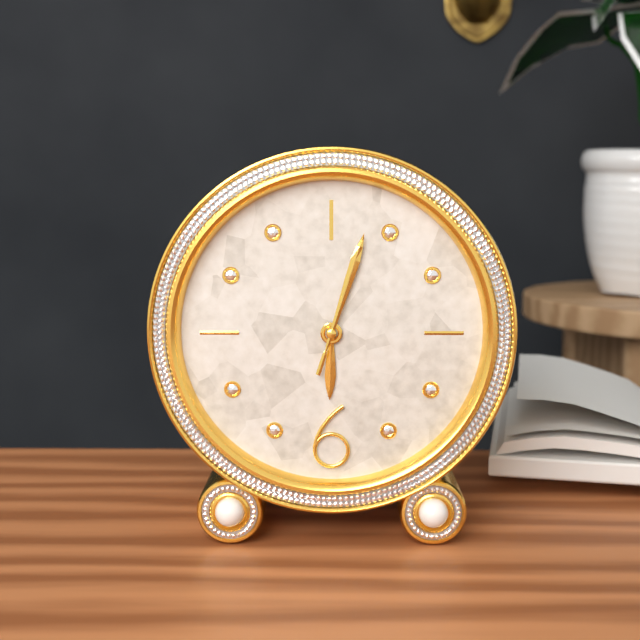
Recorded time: 6.03.03
